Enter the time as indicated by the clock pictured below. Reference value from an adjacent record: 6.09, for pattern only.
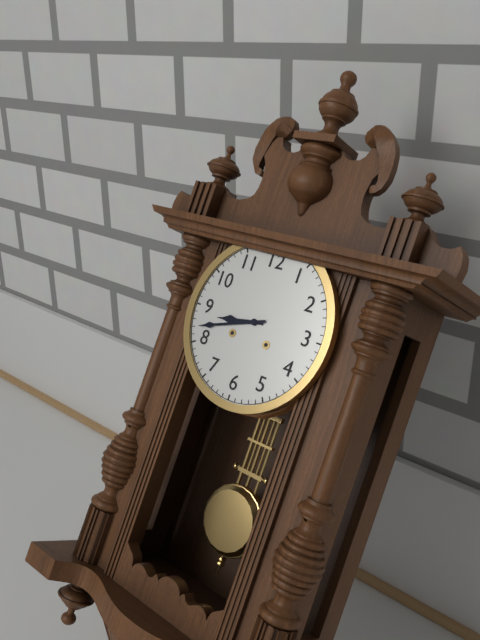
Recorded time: 8.42
